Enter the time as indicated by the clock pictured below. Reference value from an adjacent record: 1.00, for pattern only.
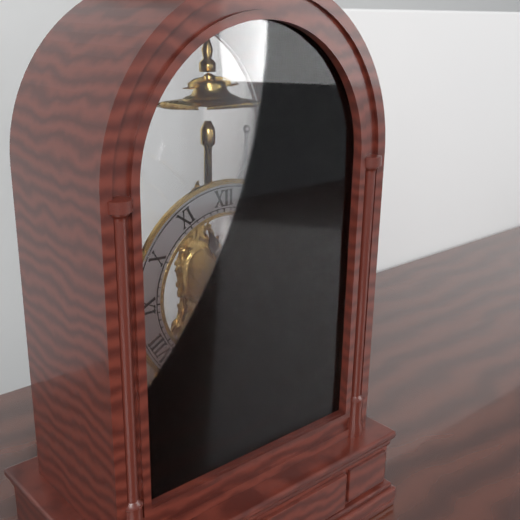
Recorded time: 11.25
